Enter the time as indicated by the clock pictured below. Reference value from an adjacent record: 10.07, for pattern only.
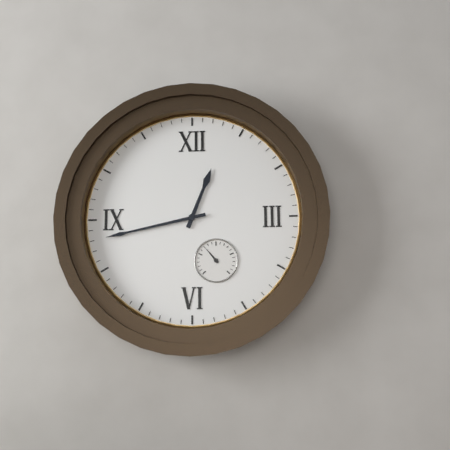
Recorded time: 12.43
